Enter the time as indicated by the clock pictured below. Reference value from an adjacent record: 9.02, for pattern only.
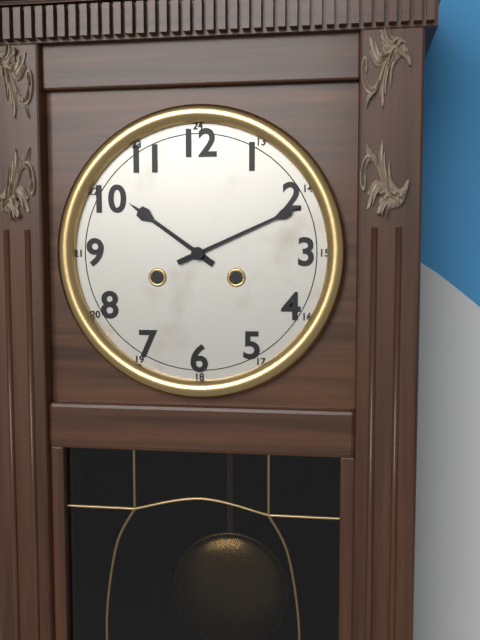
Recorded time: 10.11
